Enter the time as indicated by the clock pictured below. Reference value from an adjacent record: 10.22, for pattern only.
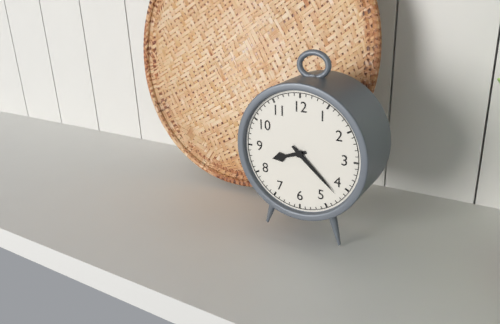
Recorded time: 8.22
